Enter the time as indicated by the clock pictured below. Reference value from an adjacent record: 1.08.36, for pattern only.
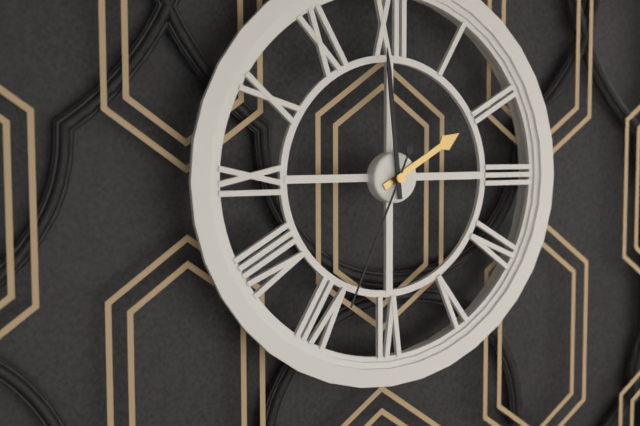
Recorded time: 1.59.34
